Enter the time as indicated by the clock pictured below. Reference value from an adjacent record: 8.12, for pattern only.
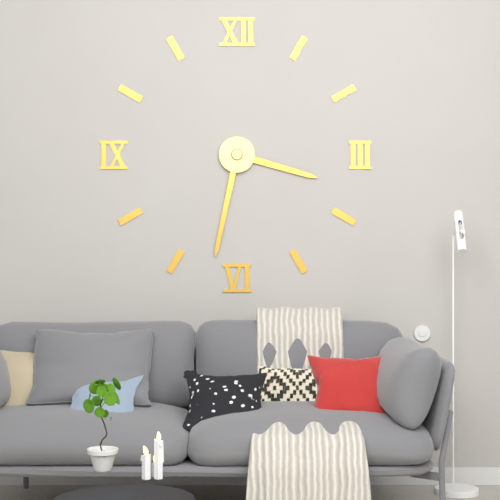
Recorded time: 3.32
